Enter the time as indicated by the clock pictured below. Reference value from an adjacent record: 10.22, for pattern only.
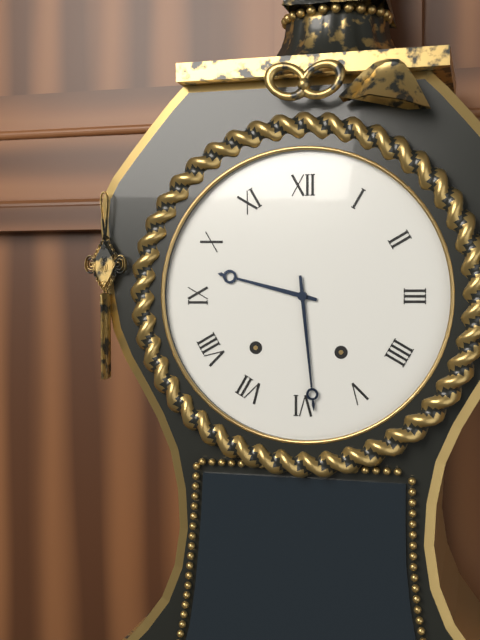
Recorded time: 9.29
